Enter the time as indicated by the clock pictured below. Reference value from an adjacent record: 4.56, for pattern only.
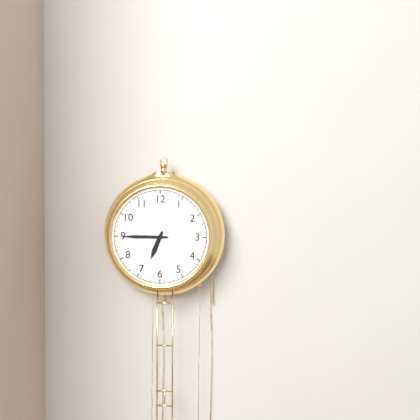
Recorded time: 6.45
